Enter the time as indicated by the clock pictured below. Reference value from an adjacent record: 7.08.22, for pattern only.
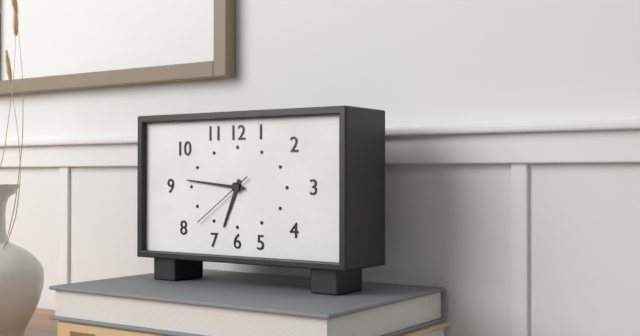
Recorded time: 6.46.39
